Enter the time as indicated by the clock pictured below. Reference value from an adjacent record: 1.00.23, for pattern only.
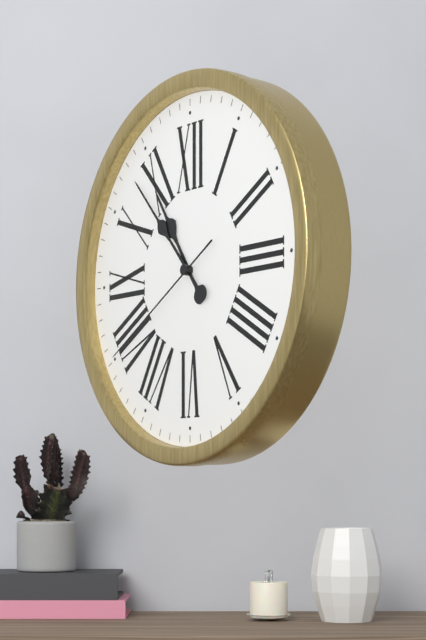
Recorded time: 10.53.40
